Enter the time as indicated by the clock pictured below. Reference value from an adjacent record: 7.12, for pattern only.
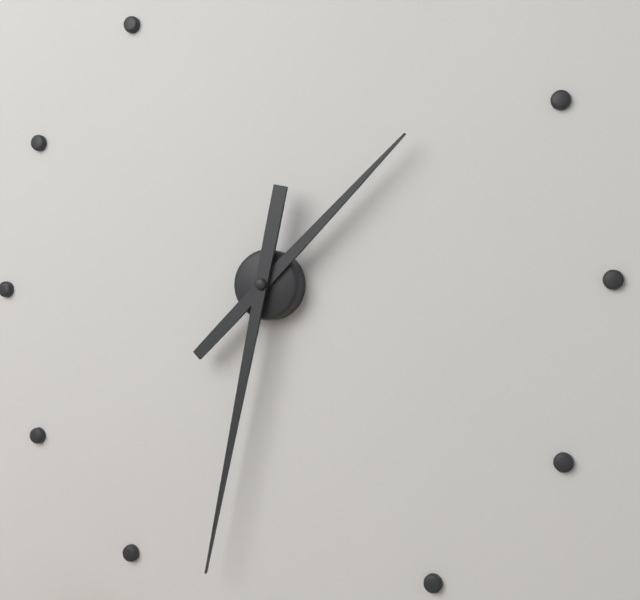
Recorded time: 1.32
